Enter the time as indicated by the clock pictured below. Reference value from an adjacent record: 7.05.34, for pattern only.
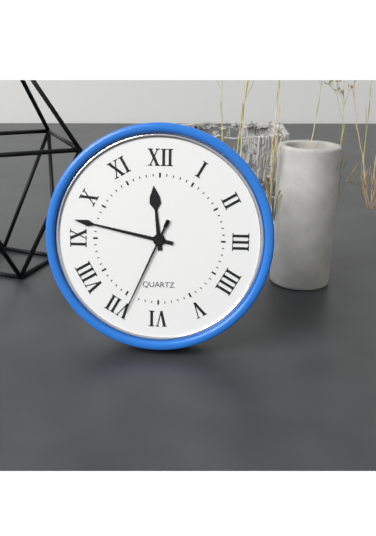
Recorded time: 11.47.34
